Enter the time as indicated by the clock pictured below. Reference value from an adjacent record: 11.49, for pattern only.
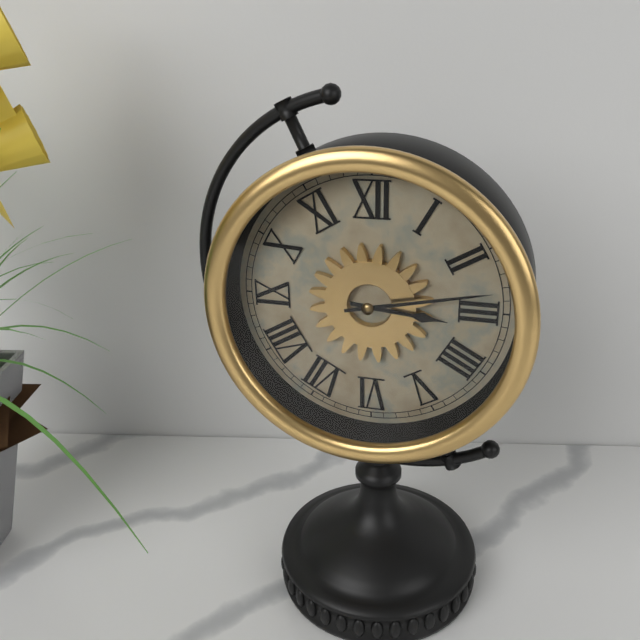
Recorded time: 3.13
